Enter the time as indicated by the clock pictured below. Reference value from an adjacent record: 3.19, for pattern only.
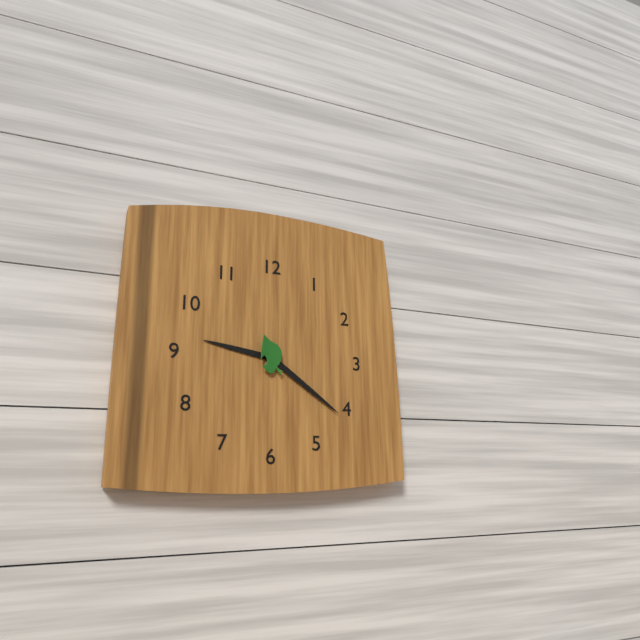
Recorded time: 9.21
